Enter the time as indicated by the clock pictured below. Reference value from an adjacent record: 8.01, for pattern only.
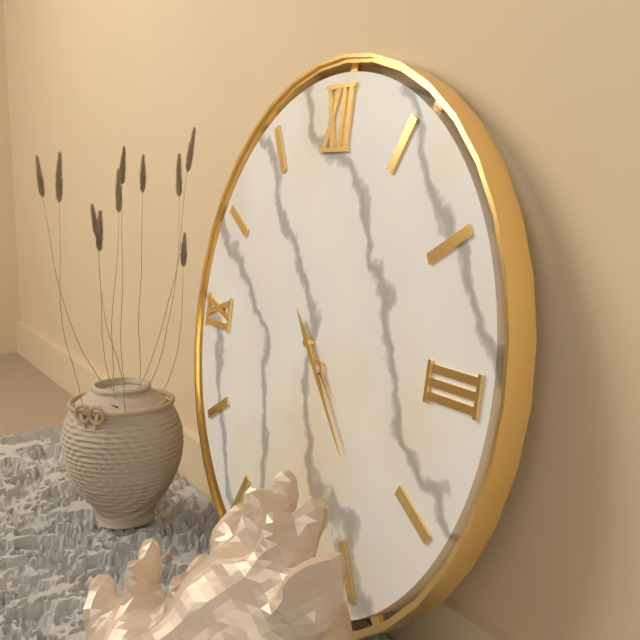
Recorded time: 4.23
